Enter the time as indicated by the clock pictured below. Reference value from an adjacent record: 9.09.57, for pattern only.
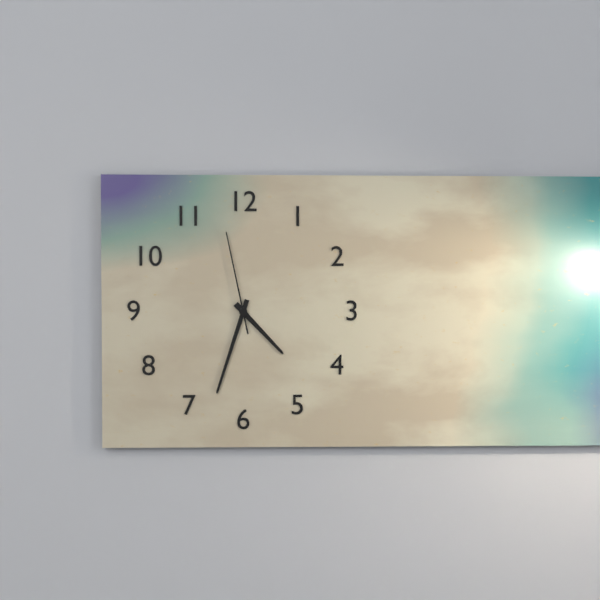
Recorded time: 4.33.58
